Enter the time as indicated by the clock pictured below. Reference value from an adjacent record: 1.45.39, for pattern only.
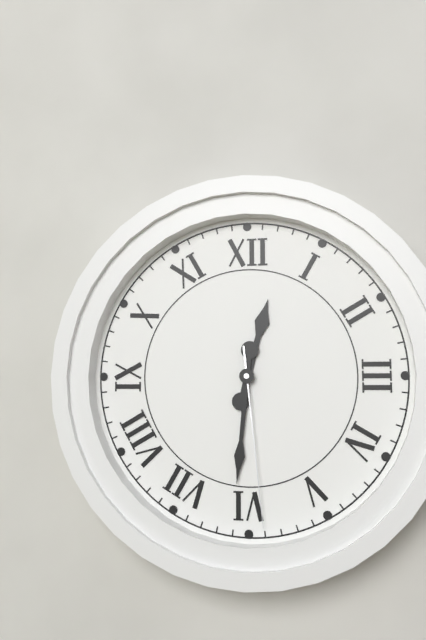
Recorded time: 12.31.29
